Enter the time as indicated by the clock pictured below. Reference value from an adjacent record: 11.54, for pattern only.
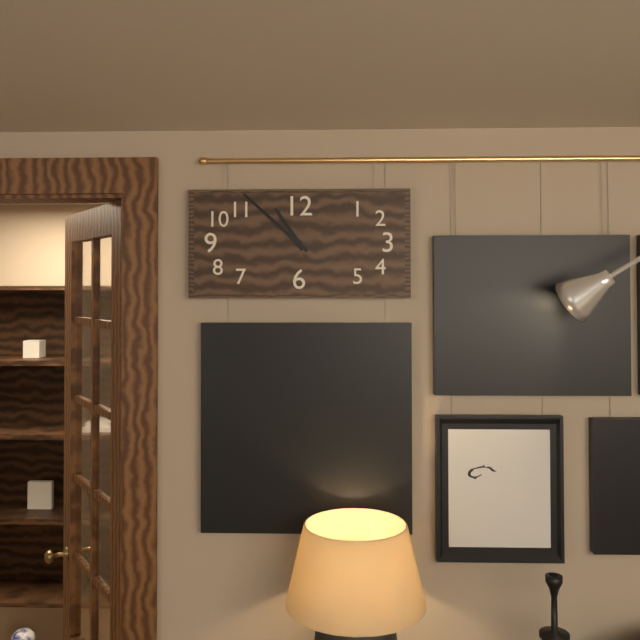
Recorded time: 10.52
